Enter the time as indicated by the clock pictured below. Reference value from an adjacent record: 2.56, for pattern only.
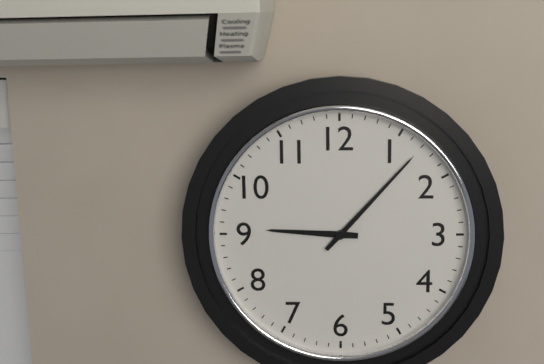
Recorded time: 9.07
